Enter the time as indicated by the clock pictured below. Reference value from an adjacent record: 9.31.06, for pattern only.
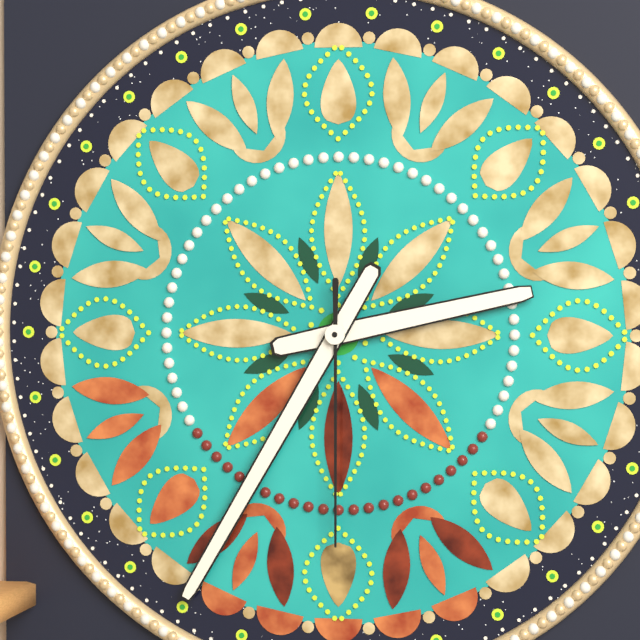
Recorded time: 2.35.30
